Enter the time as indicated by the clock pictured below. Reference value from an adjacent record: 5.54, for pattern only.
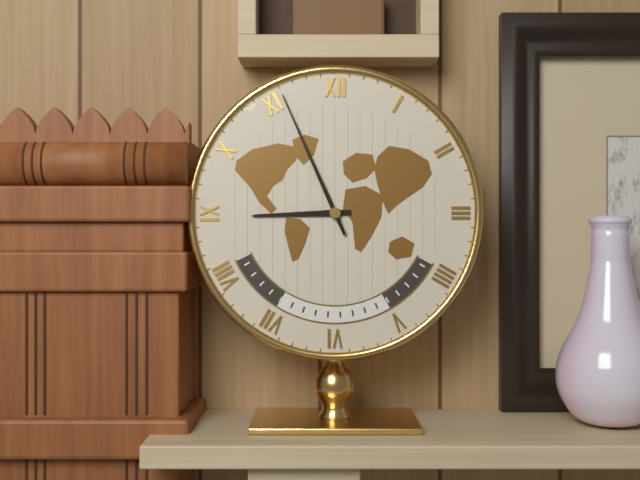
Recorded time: 8.56
